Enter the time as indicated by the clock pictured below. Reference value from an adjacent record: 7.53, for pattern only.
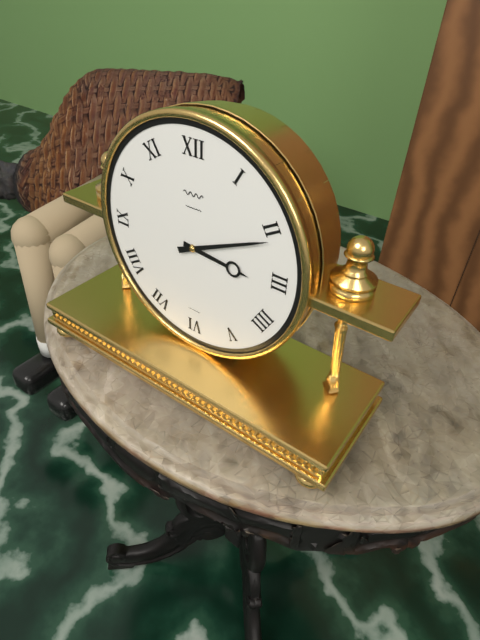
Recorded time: 3.11
